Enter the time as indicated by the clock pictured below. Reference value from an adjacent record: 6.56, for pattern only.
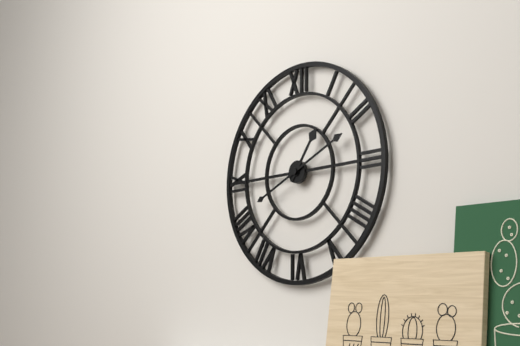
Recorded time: 1.11
